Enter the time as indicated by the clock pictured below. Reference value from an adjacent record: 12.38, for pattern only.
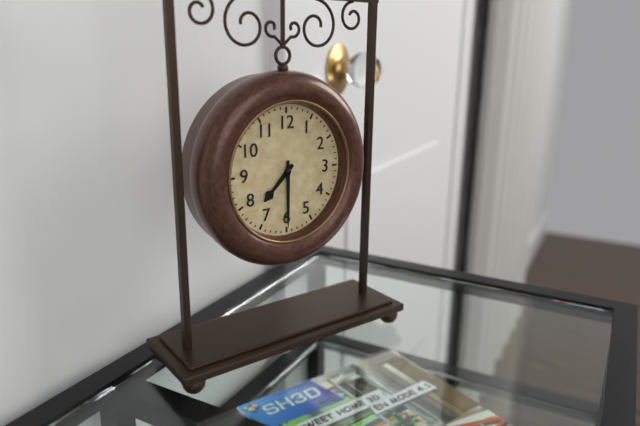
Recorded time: 7.30
